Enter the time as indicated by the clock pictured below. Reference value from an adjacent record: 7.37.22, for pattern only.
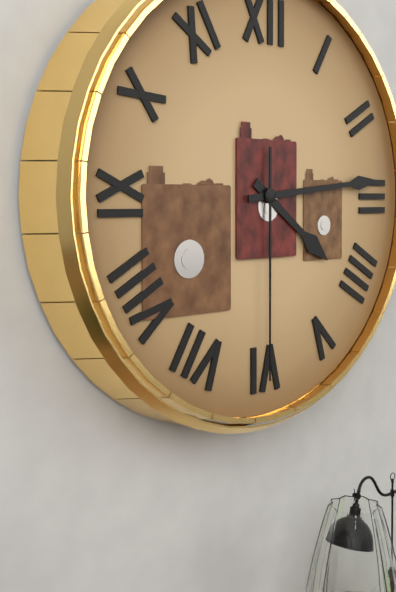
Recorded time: 4.14.30
